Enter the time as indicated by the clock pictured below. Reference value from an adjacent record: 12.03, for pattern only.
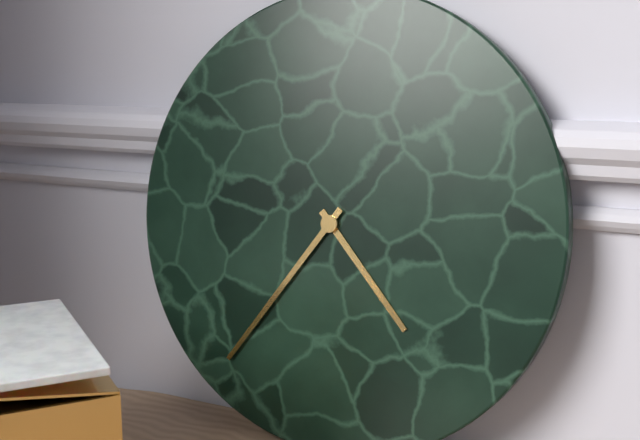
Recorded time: 4.36
